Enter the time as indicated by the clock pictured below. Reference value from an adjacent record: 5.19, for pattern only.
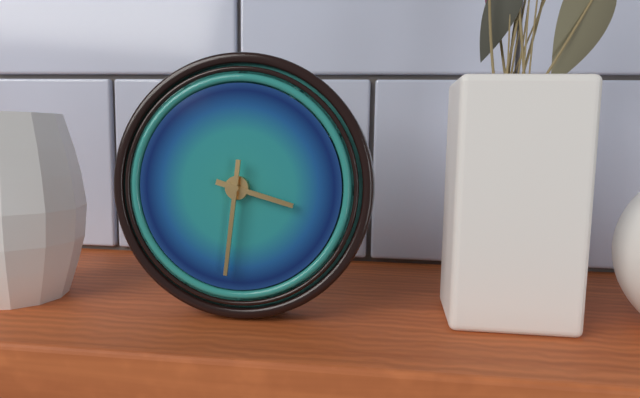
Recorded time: 3.31
